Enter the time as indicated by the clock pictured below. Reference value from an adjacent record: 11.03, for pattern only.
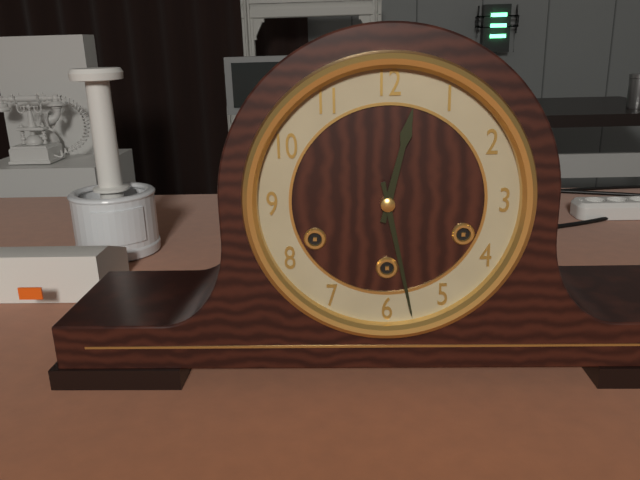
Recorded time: 12.28
